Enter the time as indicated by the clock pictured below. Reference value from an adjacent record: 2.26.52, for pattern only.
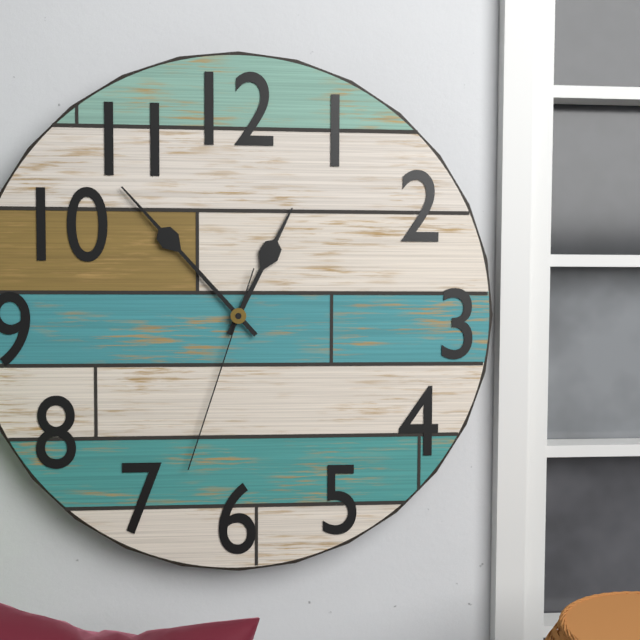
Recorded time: 12.53.33
